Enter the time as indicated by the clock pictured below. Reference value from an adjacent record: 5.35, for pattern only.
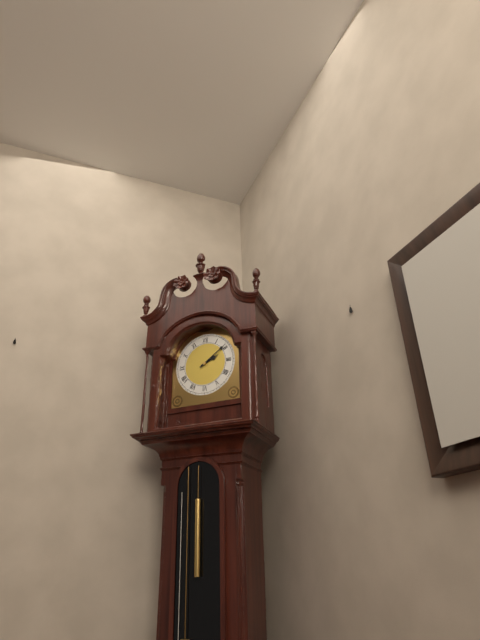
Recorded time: 2.09
